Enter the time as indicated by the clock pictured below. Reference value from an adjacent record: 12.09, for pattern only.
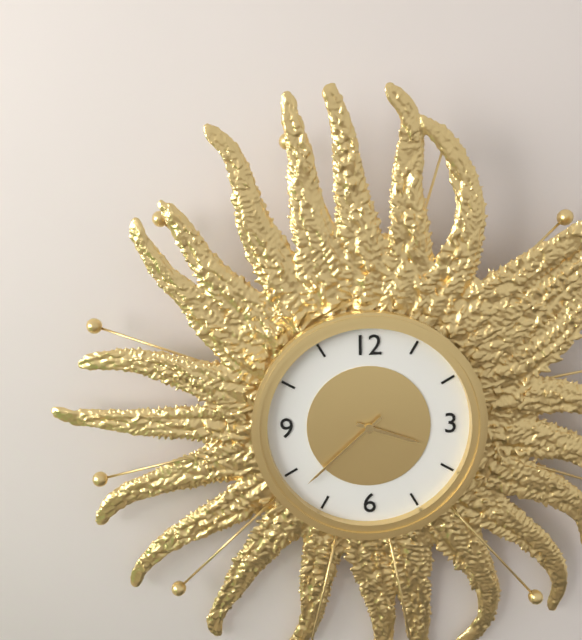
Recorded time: 3.38
